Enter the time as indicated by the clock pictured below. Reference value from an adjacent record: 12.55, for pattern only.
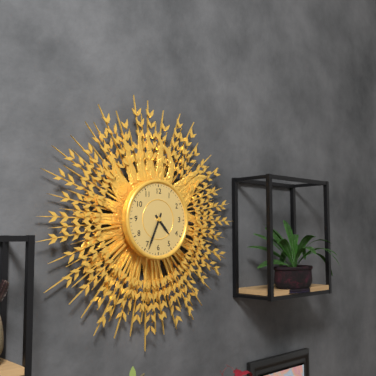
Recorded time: 4.34
